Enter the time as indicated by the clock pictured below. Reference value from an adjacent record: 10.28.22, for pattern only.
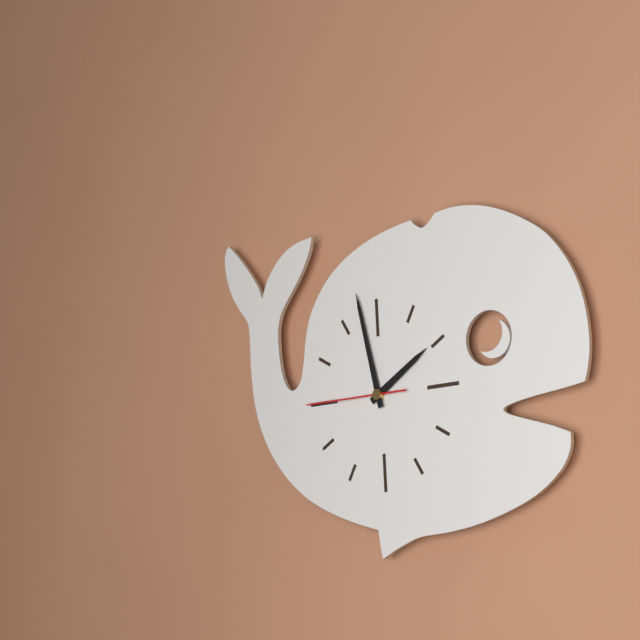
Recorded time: 1.58.45
